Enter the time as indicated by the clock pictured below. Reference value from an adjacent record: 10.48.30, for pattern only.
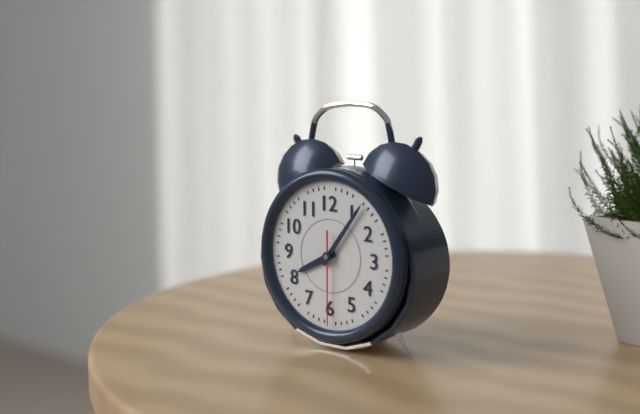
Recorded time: 8.06.30
